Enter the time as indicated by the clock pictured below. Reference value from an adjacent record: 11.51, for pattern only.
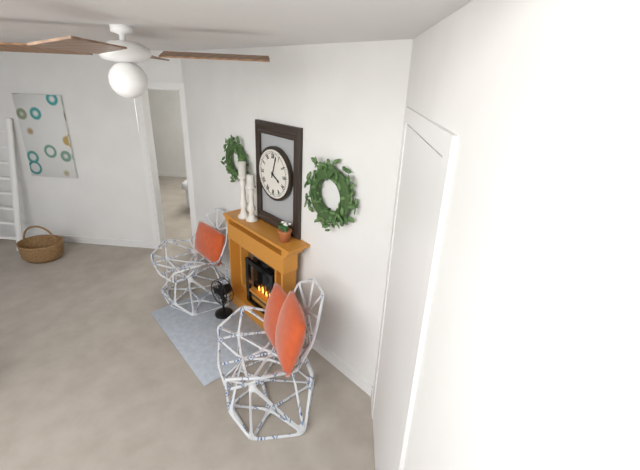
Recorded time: 4.03
